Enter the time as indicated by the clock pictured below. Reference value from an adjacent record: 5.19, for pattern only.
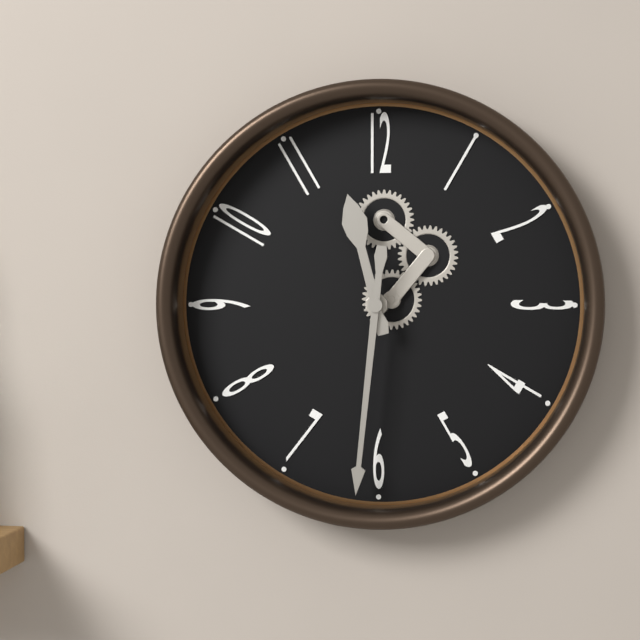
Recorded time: 11.31
